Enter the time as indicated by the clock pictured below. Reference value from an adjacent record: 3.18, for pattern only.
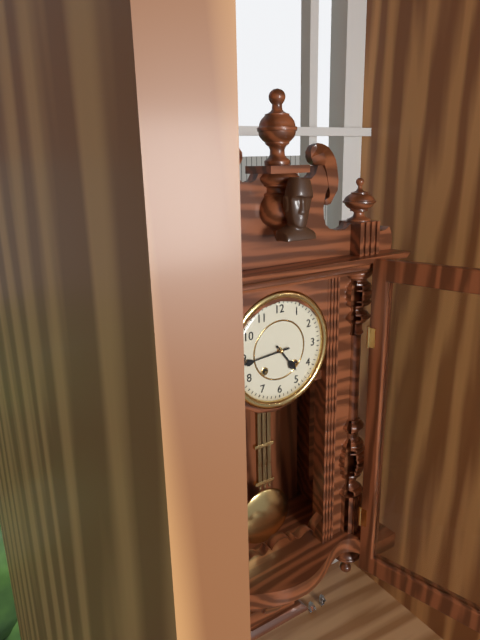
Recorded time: 4.44
